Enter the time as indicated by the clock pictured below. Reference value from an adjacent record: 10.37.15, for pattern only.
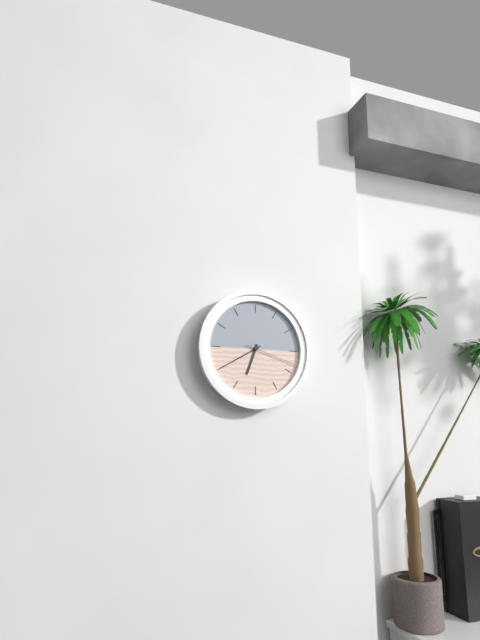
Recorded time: 6.40.18
